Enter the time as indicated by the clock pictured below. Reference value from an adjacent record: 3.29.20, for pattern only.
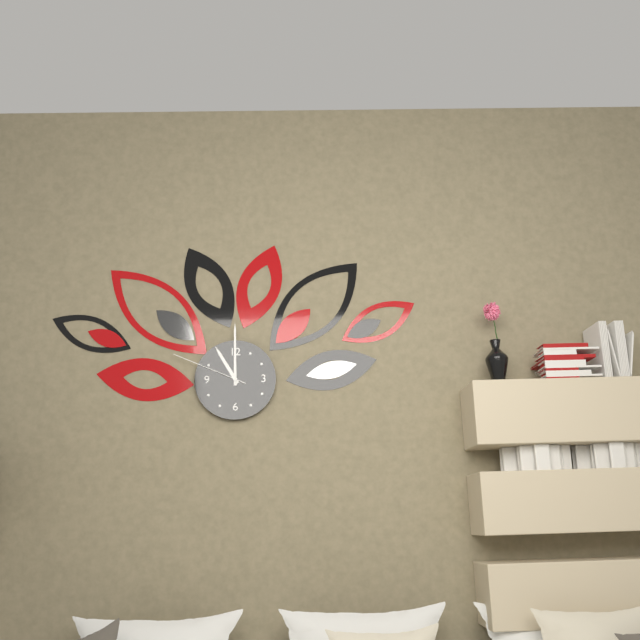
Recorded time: 11.00.49
